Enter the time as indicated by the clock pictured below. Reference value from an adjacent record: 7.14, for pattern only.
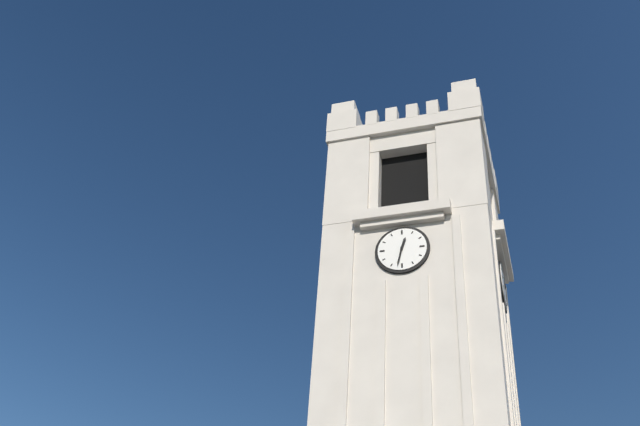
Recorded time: 12.32
